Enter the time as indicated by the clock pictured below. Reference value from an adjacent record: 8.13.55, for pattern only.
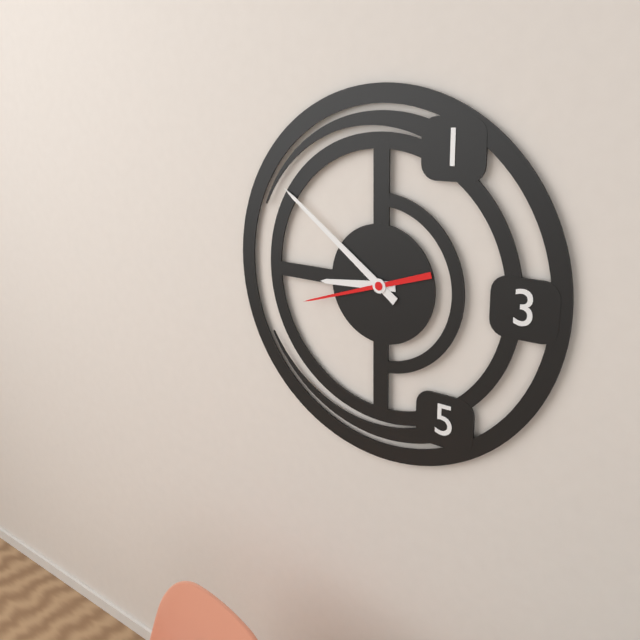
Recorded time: 8.51.42
